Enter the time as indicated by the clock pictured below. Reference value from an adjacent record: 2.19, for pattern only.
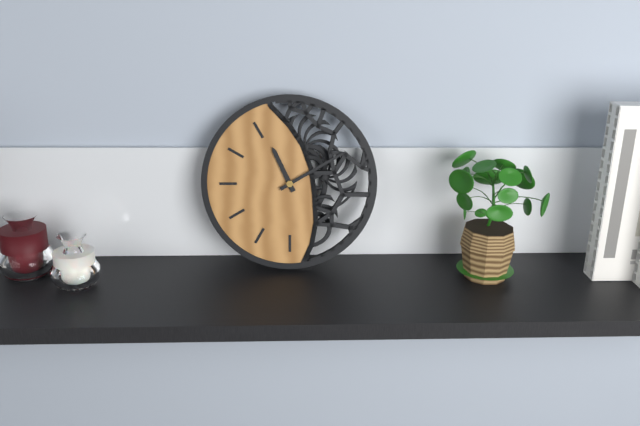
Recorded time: 11.10
